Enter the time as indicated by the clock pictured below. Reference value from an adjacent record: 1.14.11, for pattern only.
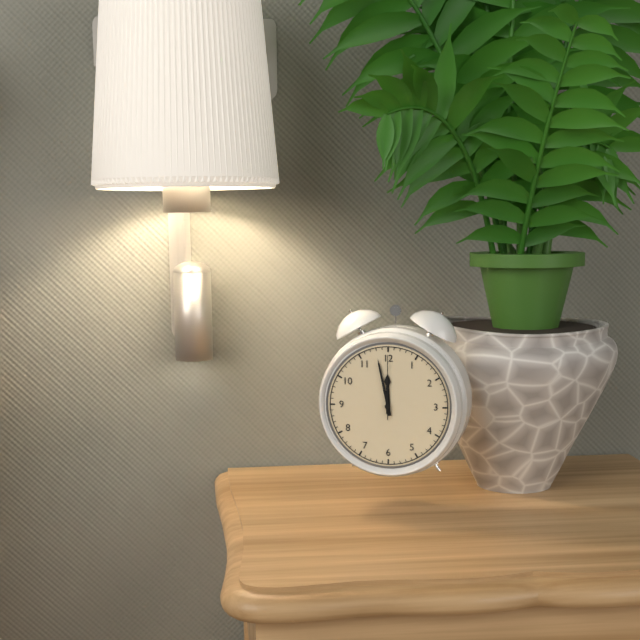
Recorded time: 11.58.00
